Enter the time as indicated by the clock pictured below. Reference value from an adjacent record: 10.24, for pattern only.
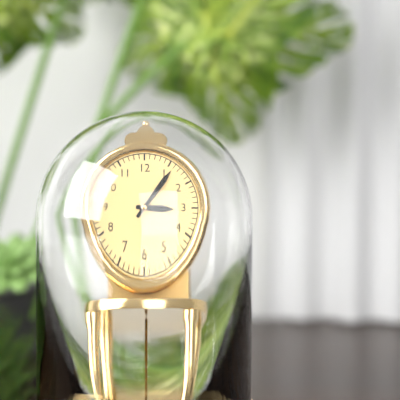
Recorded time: 3.06
